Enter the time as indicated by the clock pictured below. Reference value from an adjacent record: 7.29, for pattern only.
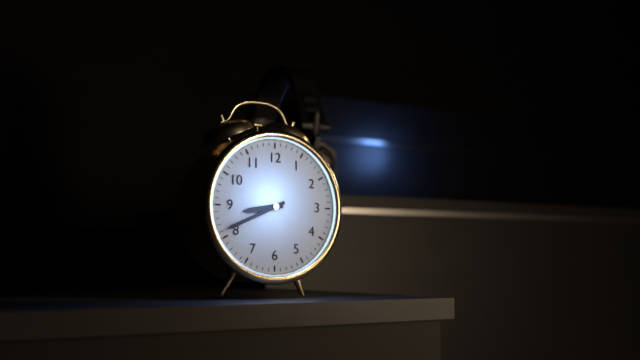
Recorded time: 8.41
